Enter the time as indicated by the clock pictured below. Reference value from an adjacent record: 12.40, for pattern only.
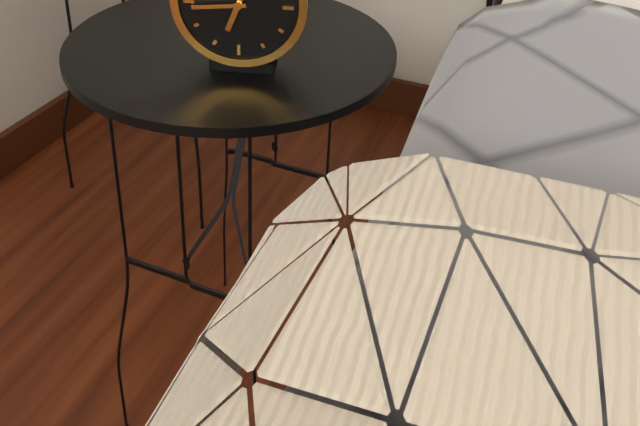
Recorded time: 6.44
